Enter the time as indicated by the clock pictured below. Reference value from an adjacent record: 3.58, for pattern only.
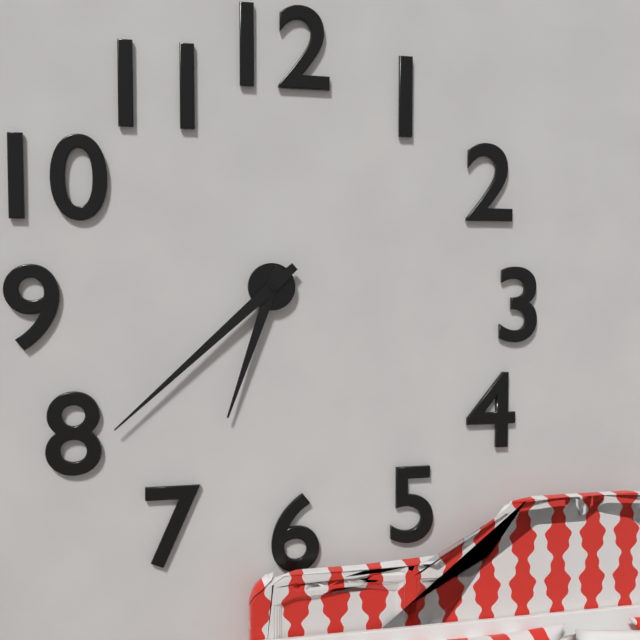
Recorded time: 6.38
